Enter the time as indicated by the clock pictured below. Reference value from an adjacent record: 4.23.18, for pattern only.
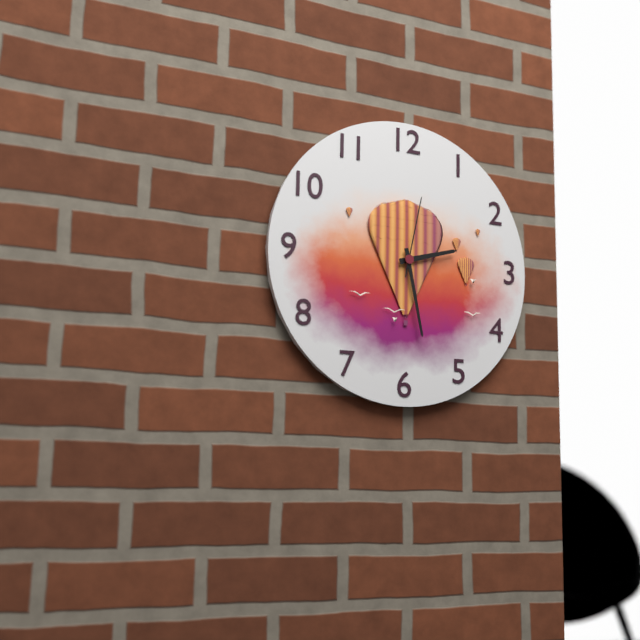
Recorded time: 2.28.02
